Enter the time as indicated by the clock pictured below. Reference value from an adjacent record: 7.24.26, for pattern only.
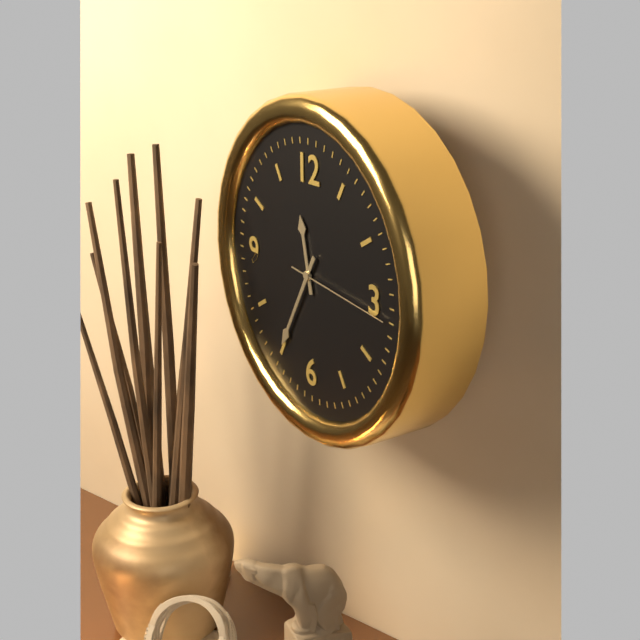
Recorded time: 11.35.16
